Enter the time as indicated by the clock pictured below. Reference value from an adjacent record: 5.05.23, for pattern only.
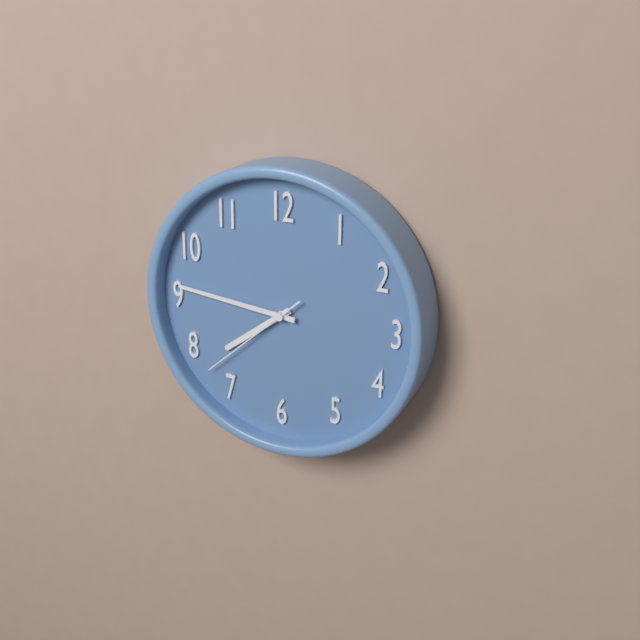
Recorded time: 7.46.38
